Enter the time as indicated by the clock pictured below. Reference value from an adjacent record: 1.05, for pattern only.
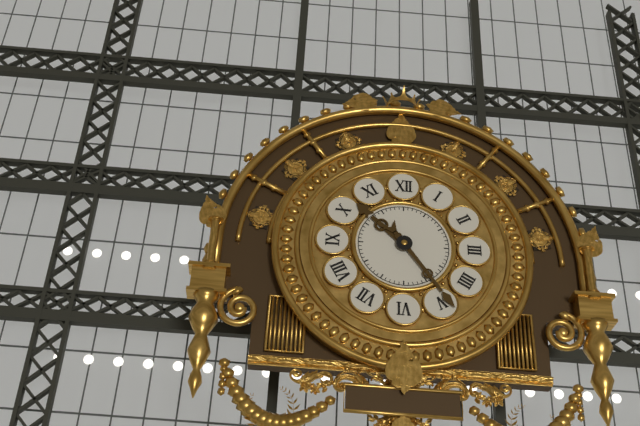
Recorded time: 10.24
